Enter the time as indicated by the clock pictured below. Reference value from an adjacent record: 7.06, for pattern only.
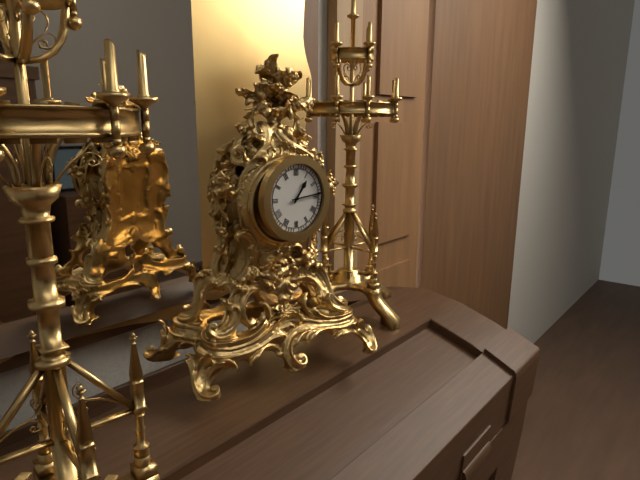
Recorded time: 1.14
